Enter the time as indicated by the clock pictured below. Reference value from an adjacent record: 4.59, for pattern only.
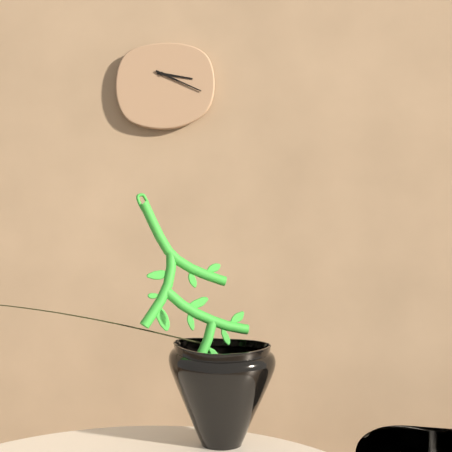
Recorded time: 3.19
